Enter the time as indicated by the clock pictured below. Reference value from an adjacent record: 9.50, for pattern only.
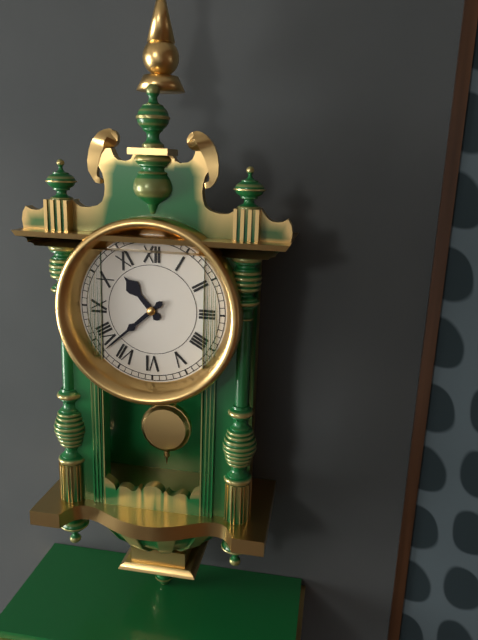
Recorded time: 10.38
